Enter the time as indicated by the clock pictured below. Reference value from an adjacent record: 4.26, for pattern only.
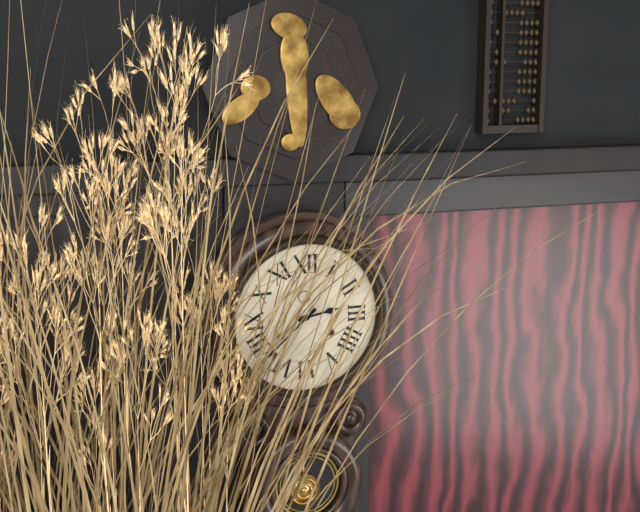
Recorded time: 2.38
